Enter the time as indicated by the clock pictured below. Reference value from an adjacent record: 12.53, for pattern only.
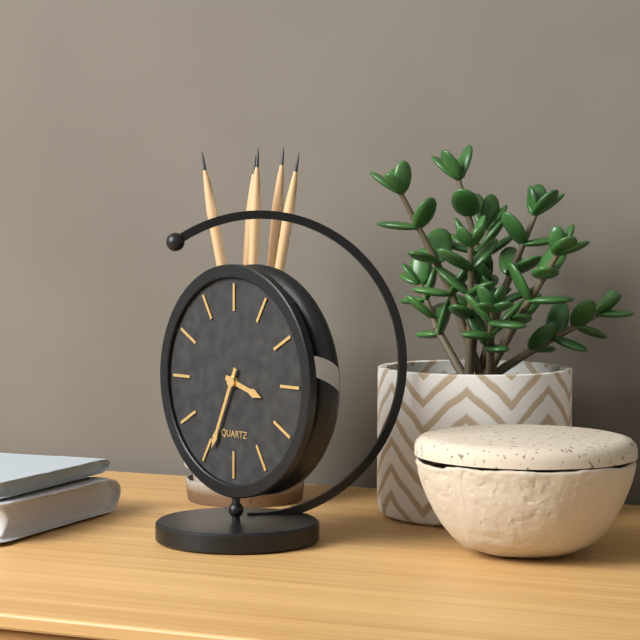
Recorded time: 3.34
